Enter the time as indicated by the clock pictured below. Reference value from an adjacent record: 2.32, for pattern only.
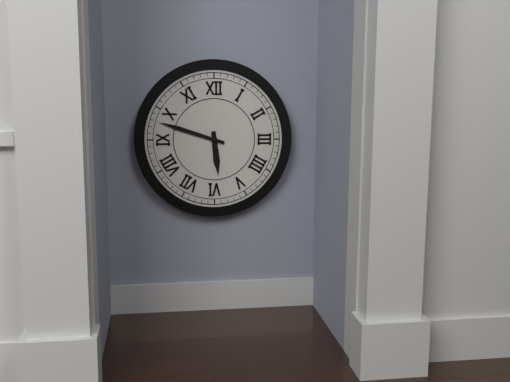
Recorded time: 5.48
